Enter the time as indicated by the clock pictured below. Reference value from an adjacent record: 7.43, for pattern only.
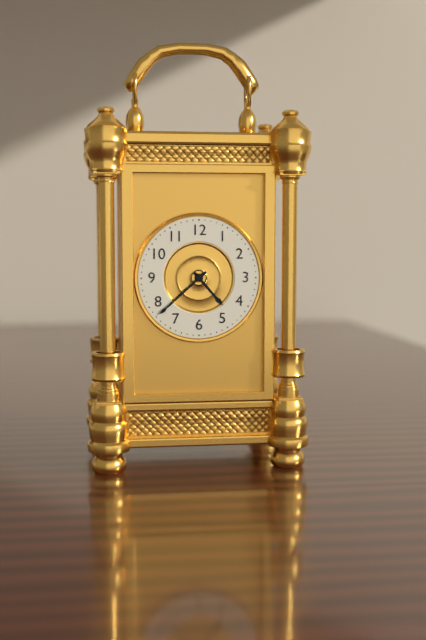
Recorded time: 4.38
